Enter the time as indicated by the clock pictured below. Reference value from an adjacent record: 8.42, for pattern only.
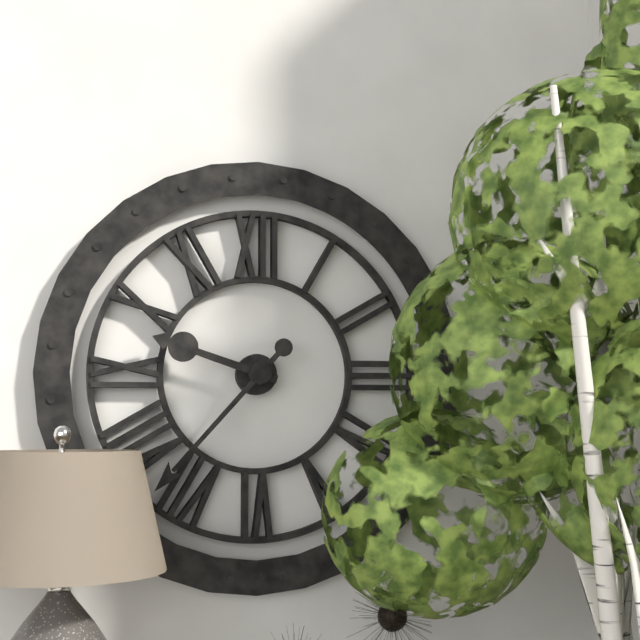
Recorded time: 9.37
